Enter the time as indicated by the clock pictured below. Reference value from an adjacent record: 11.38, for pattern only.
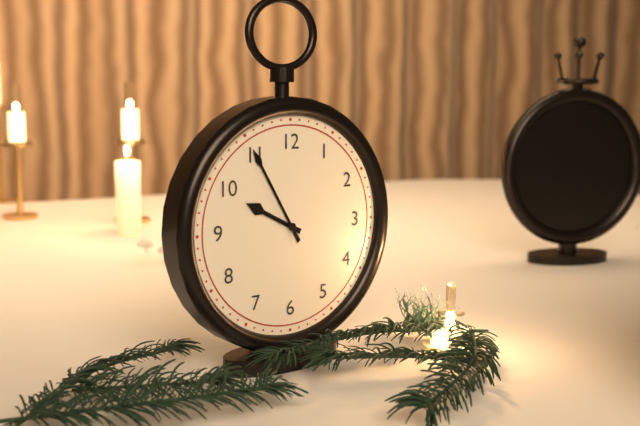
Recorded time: 9.55
